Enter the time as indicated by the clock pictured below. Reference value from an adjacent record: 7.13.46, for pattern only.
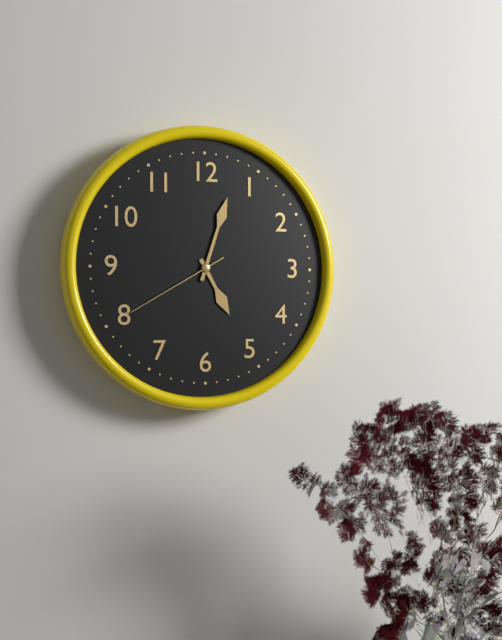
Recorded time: 5.03.40
